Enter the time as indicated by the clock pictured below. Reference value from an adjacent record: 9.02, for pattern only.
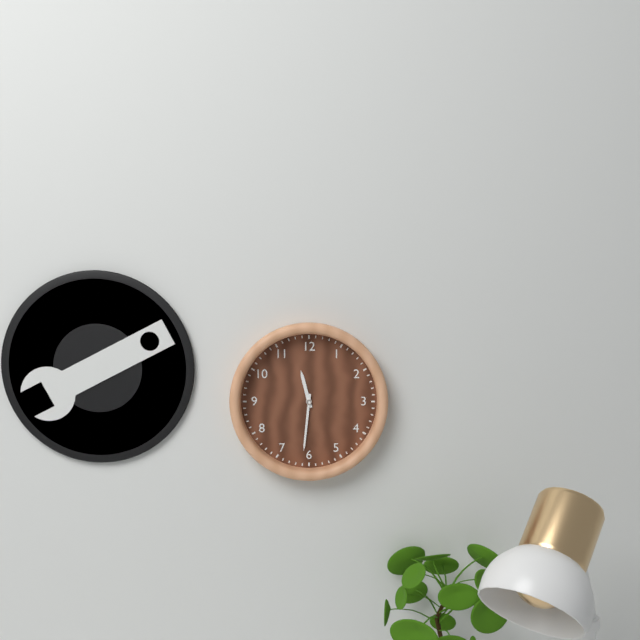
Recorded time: 11.31
